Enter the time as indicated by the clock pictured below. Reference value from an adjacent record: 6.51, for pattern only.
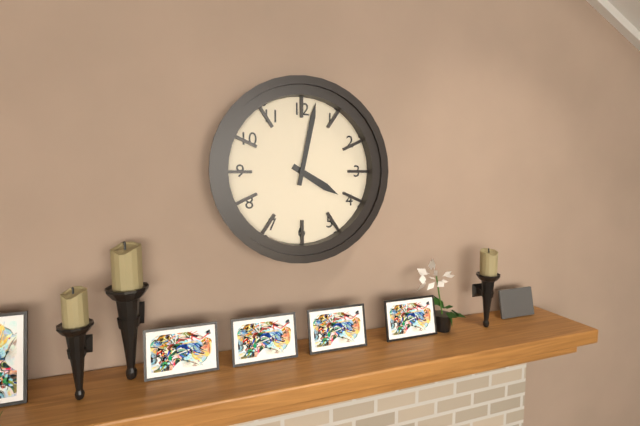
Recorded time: 4.02
